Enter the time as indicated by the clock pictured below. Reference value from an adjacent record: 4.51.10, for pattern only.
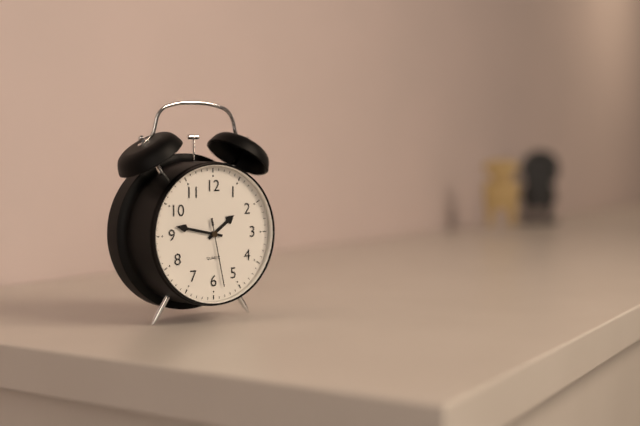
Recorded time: 1.47.28
